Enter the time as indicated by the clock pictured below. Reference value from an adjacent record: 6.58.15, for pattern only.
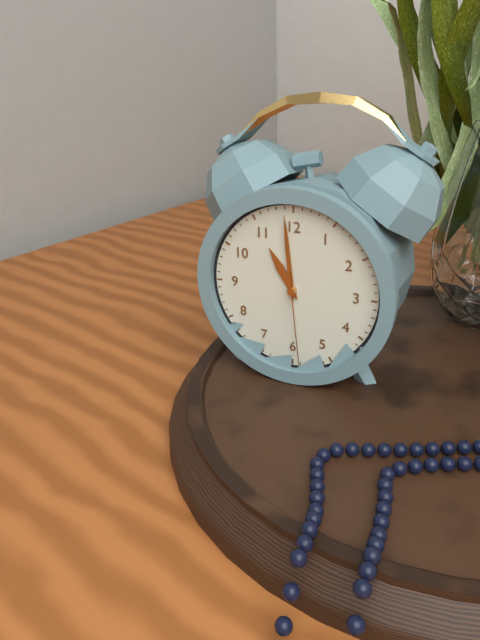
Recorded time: 10.59.29
